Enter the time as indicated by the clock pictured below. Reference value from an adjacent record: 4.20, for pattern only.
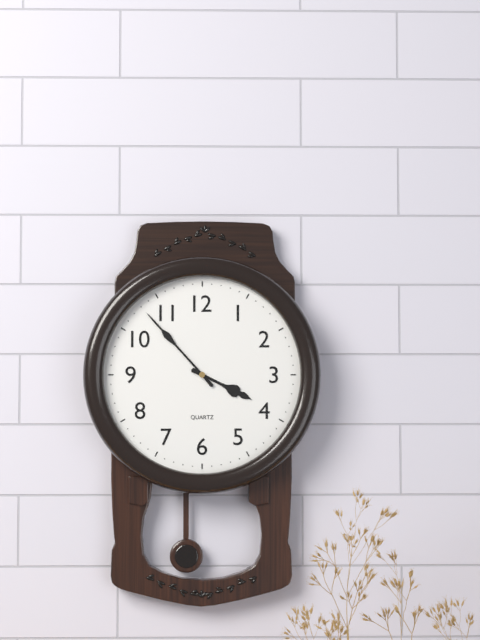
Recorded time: 3.53
